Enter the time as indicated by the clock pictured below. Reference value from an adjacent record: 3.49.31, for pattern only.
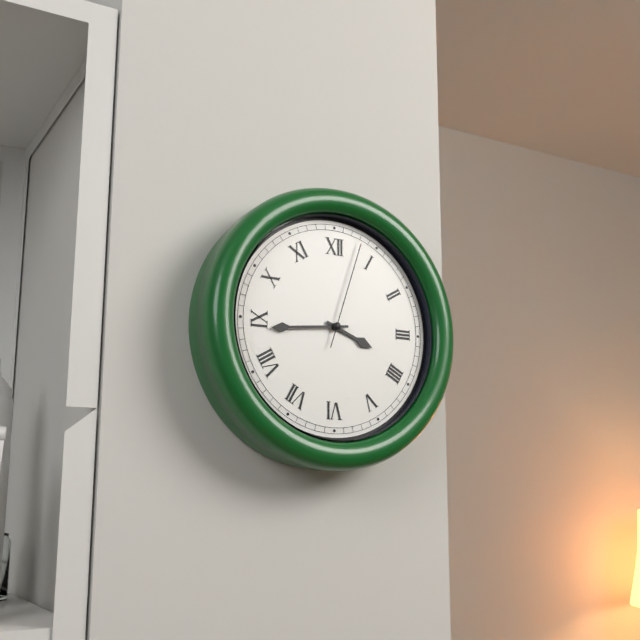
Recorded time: 3.44.03
